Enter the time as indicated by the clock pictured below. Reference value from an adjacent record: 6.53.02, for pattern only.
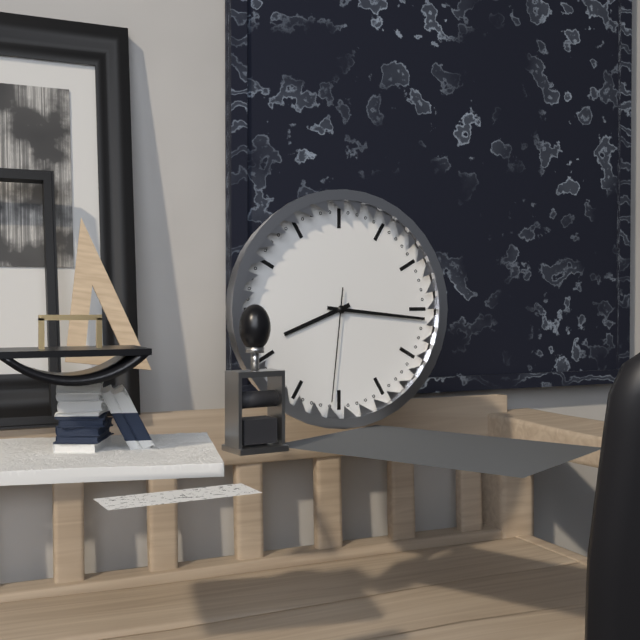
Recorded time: 8.16.31
